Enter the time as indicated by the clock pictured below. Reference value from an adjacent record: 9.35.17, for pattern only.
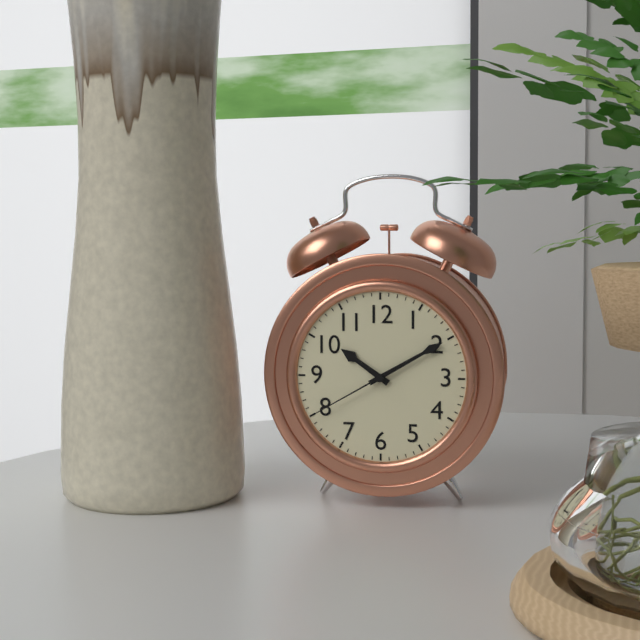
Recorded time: 10.10.40
